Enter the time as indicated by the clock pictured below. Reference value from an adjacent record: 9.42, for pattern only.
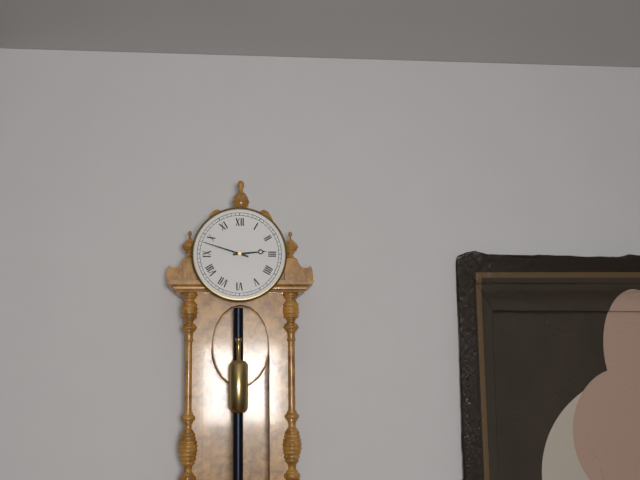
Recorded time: 2.48
